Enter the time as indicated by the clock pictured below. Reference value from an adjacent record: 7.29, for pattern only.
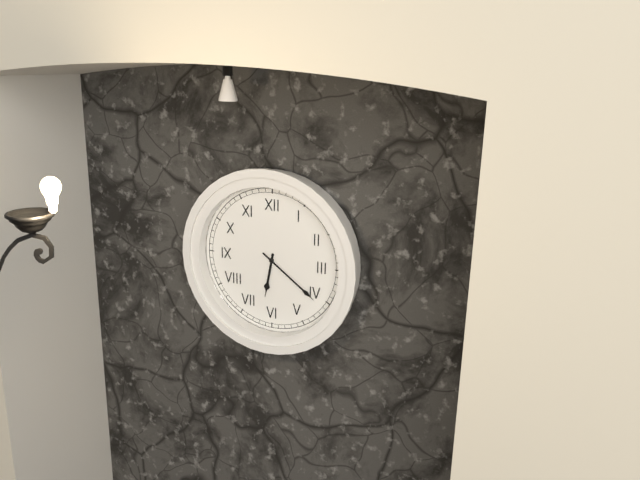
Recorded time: 6.21
